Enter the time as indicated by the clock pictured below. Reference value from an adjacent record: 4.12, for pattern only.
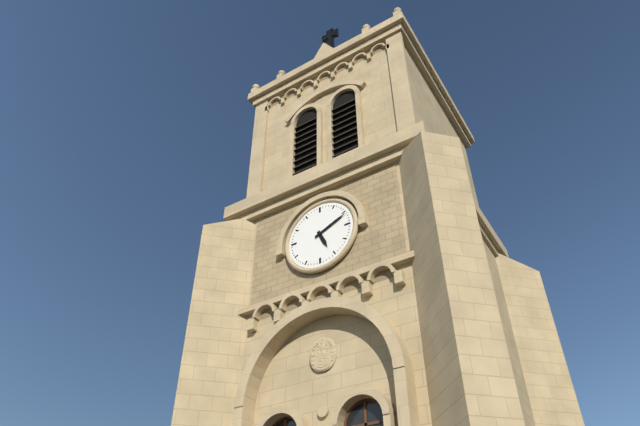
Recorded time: 5.11
